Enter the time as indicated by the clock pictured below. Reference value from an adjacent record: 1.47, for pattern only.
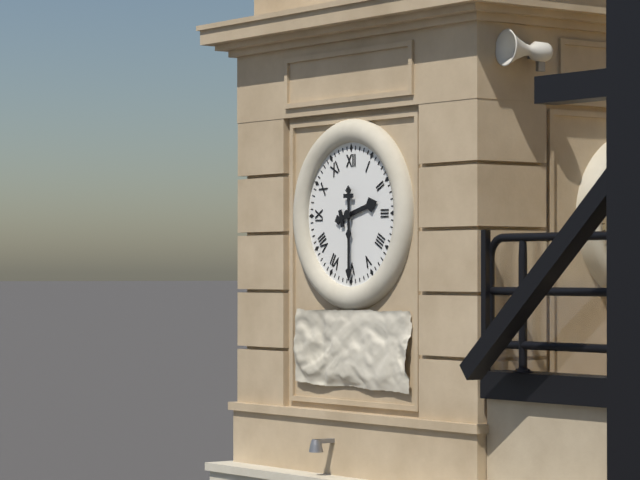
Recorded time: 2.30
